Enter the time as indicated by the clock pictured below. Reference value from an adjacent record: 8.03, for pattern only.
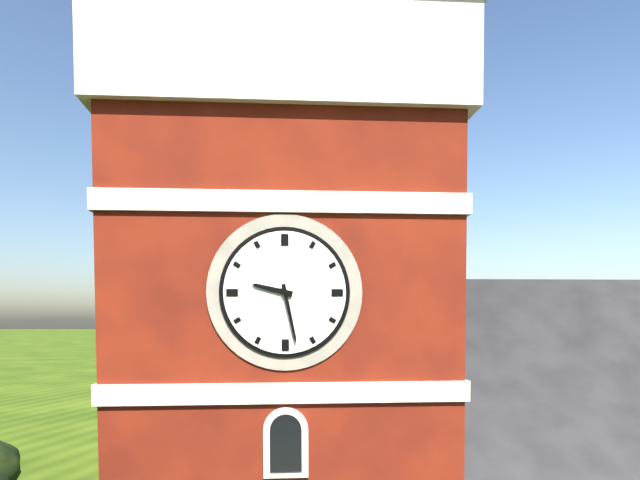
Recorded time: 9.28
